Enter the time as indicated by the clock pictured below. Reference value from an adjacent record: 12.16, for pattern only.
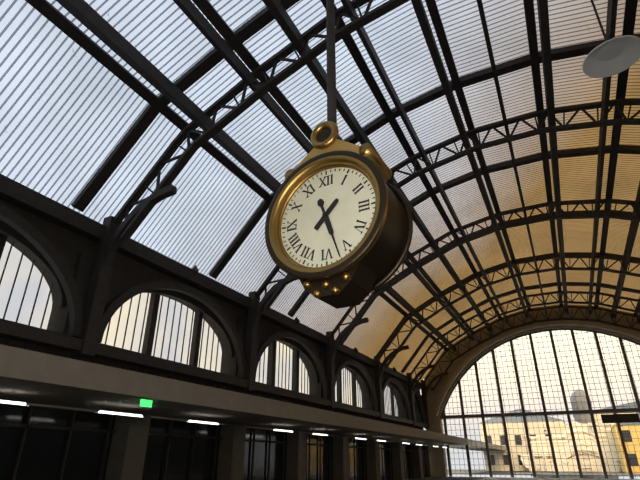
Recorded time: 1.27
